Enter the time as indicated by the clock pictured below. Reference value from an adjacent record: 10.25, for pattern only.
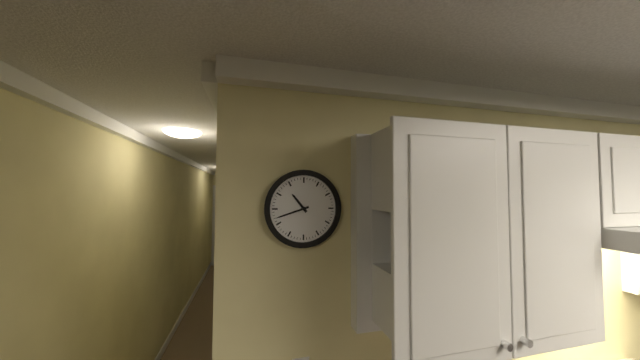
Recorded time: 10.42
